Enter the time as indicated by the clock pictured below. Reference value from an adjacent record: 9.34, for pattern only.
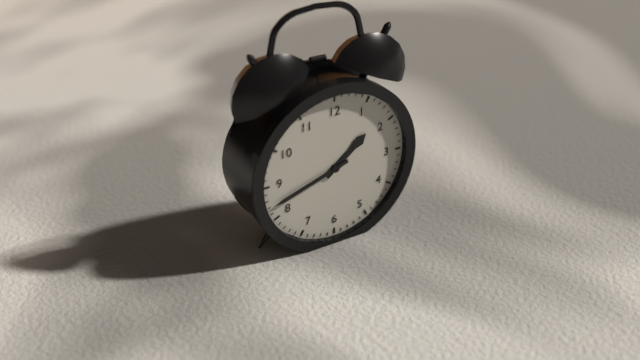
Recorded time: 1.42
